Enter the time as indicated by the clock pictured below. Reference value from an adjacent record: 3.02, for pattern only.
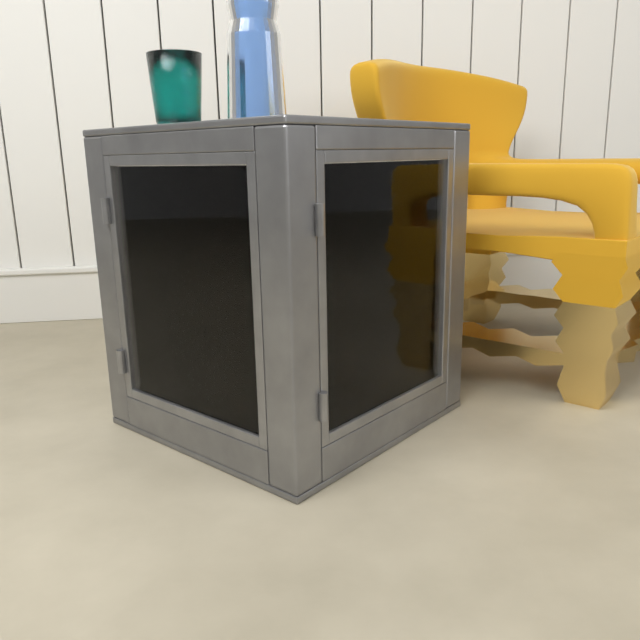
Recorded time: 1.04
